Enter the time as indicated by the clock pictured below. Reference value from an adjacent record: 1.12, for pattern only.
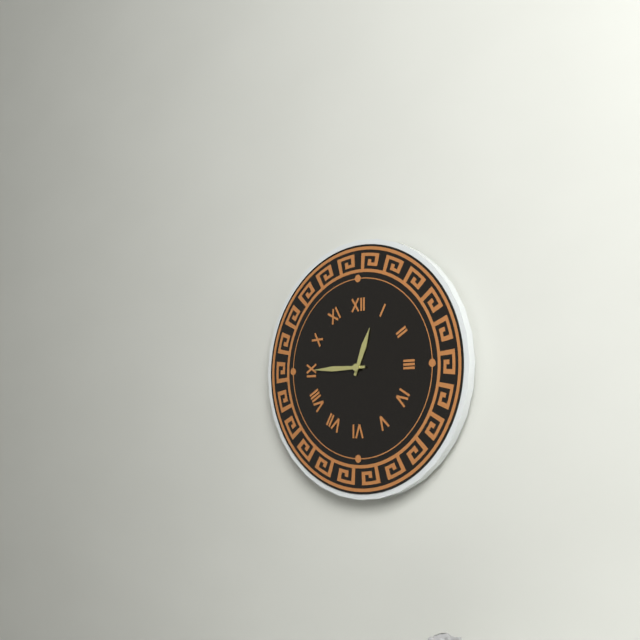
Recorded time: 12.45
